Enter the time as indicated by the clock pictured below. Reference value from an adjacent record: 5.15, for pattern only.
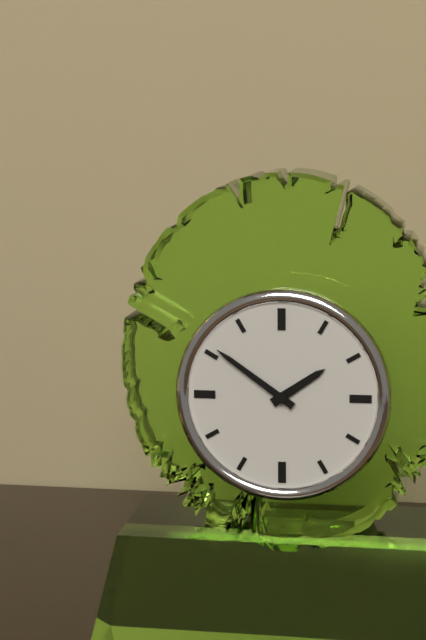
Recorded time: 1.51
